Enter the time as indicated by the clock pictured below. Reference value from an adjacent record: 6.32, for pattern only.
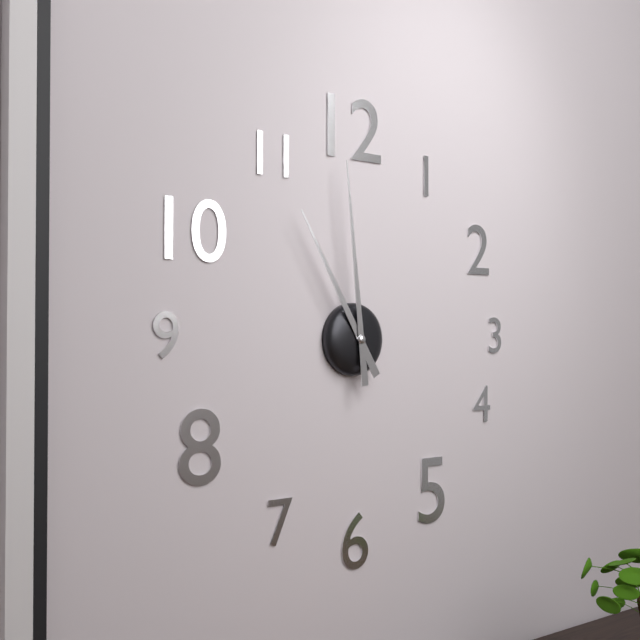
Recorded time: 10.59
